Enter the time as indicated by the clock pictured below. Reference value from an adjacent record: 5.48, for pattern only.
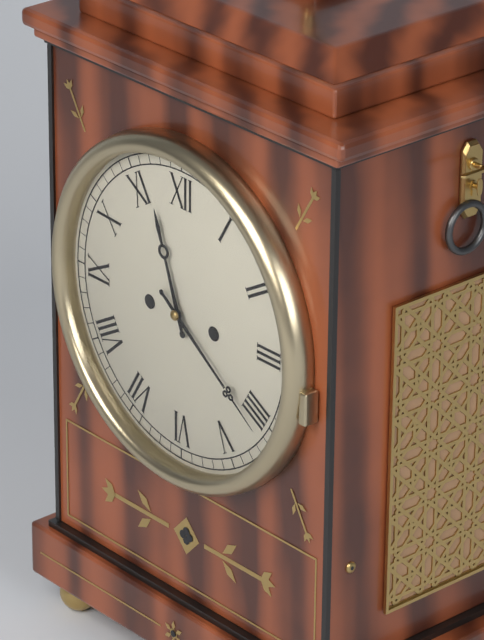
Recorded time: 11.21
